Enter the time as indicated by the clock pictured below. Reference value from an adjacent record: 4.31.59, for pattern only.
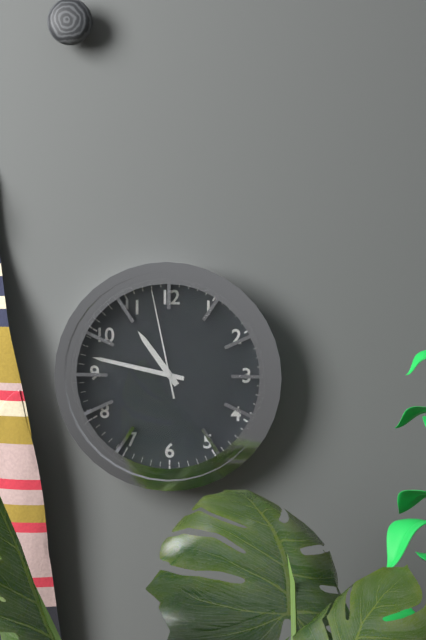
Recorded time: 10.47.58
